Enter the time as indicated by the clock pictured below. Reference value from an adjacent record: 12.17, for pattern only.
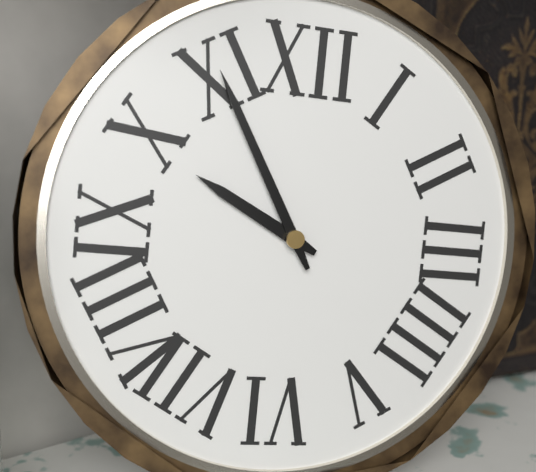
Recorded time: 9.55
